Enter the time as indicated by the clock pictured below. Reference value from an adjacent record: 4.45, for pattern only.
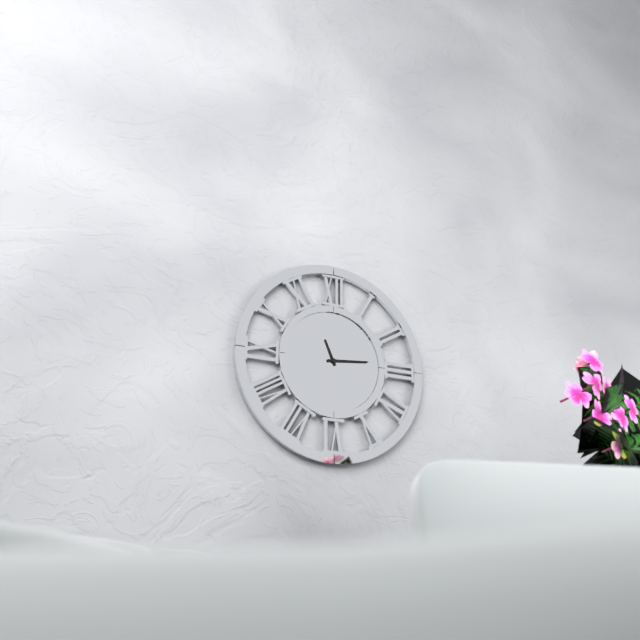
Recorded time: 11.14
